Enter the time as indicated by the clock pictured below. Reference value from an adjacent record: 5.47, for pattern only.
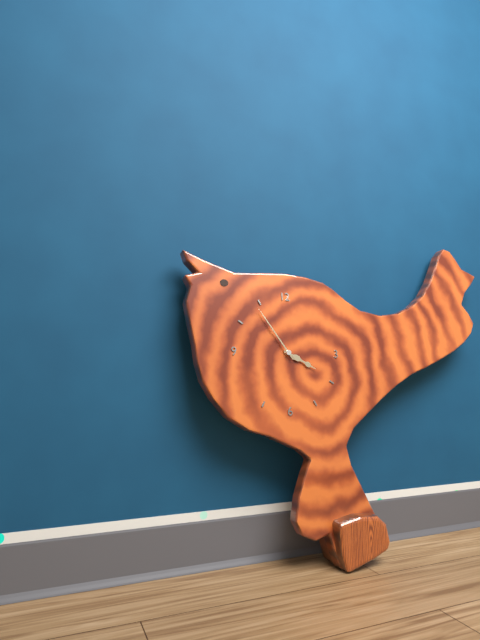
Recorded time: 3.54
